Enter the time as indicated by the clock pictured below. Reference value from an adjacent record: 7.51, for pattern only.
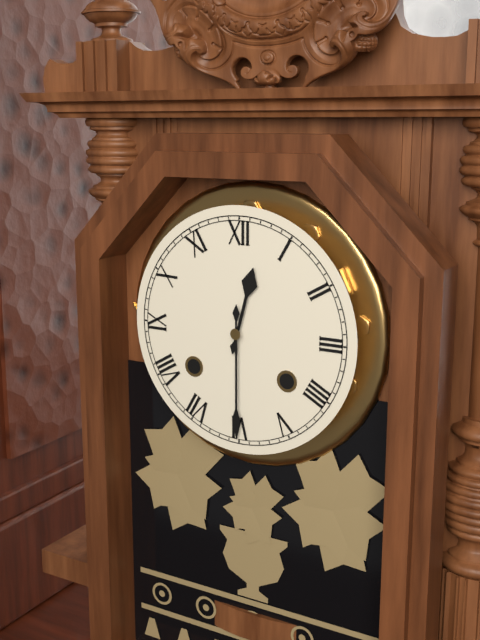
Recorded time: 12.30
